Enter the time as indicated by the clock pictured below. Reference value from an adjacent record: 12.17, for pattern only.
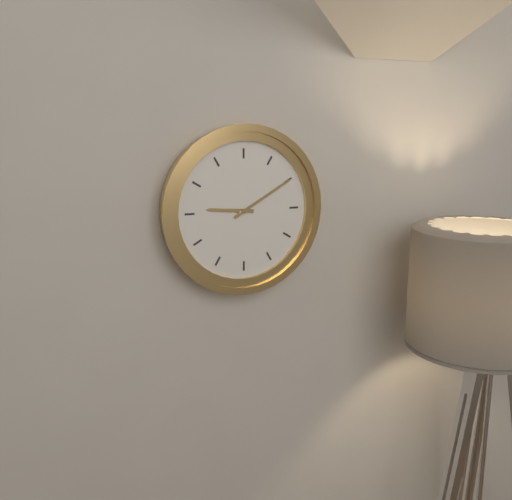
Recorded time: 9.10
